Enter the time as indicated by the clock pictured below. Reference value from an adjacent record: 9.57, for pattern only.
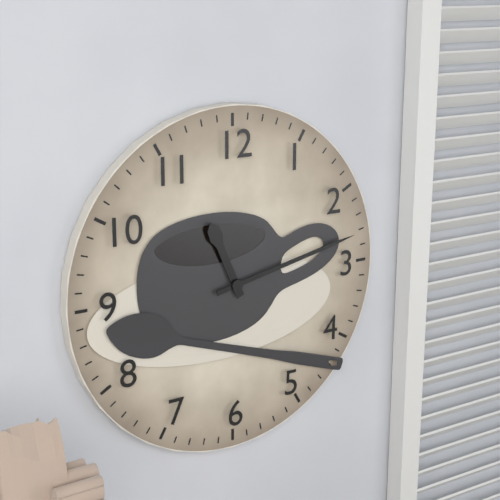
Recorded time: 11.13
